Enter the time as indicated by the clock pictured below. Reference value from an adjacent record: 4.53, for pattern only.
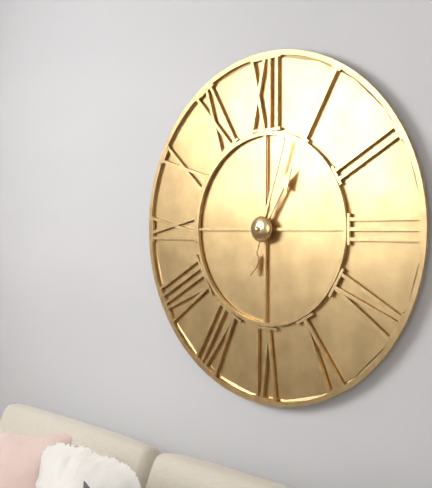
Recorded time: 1.03
